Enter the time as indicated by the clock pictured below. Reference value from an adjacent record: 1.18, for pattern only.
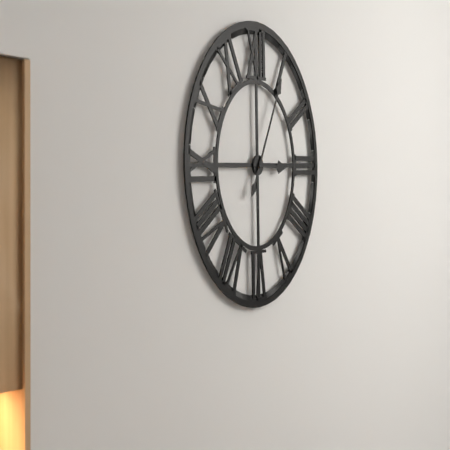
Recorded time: 3.05
